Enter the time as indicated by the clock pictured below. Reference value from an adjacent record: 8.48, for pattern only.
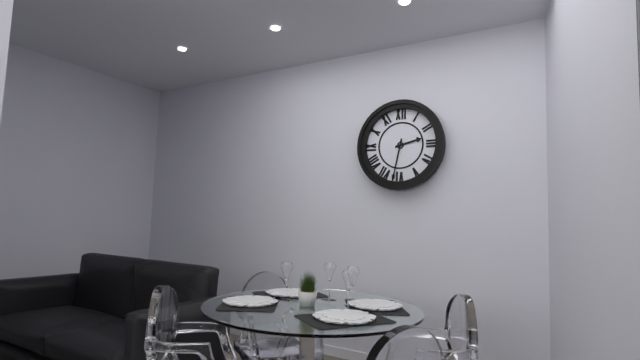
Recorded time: 2.32
